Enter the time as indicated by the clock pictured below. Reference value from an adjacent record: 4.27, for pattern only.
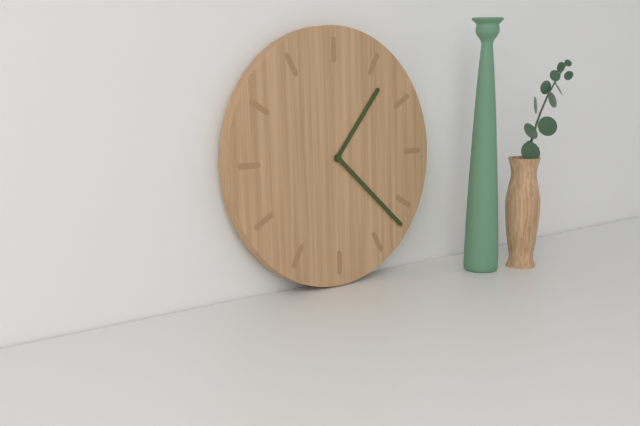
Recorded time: 1.22
